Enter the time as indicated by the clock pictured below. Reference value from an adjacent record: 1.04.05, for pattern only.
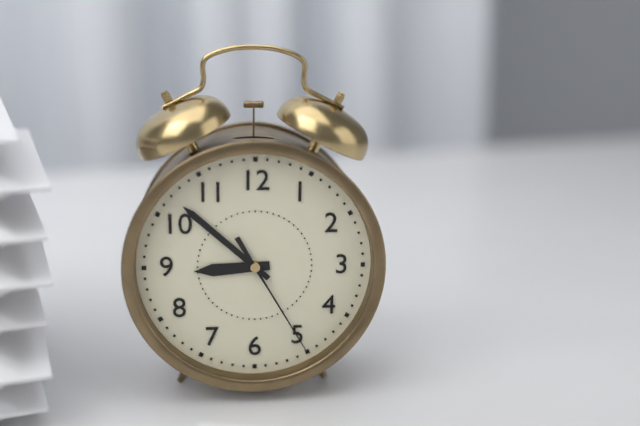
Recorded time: 8.52.25
